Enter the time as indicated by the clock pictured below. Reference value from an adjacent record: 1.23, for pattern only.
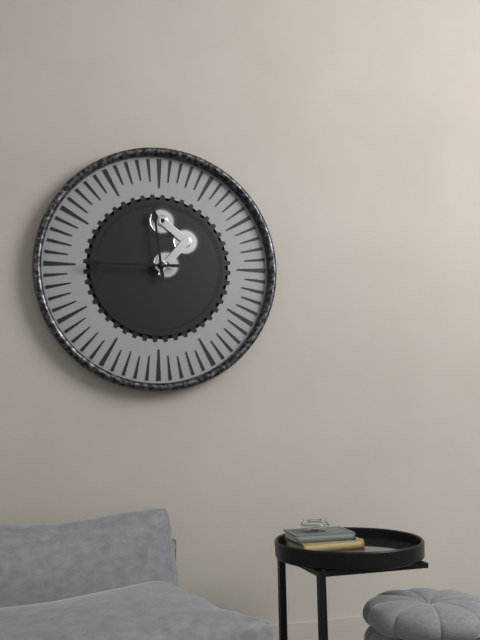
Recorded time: 11.45
